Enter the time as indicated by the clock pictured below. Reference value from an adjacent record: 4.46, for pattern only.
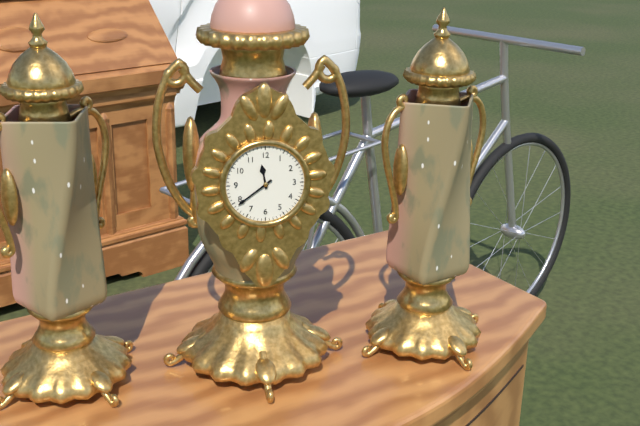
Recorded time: 11.39
